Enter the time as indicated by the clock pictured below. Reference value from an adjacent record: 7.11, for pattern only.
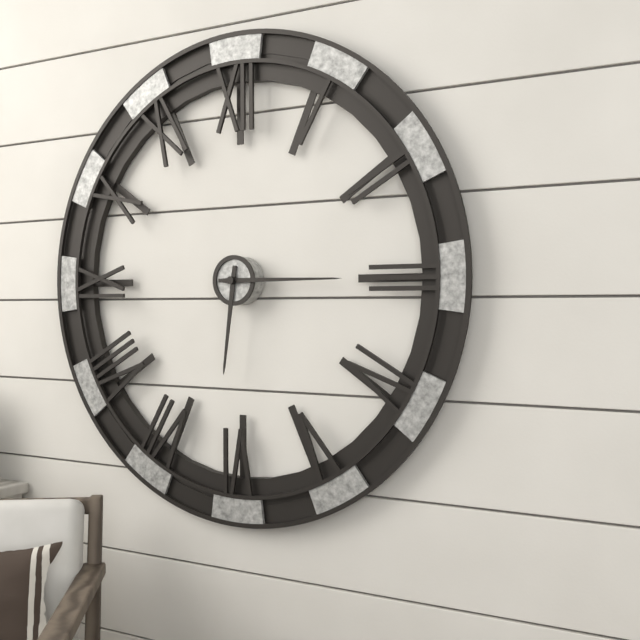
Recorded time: 6.15
